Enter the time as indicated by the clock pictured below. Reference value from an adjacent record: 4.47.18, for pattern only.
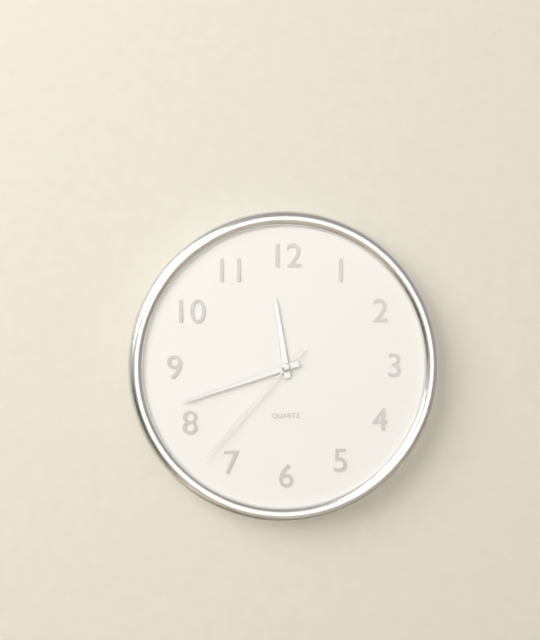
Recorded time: 11.42.37
